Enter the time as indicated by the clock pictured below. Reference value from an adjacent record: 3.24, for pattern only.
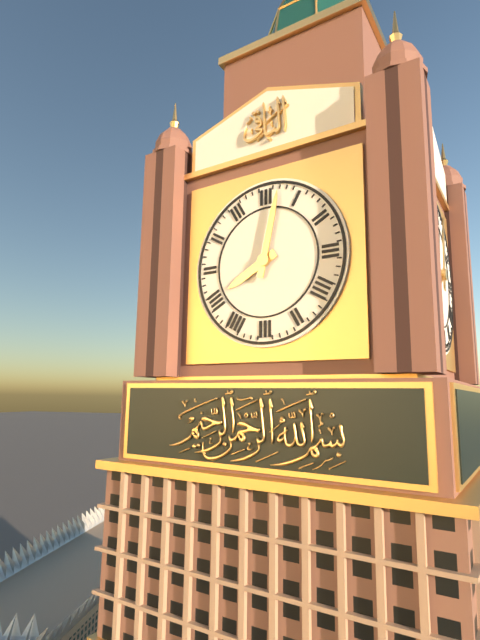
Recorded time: 8.02
